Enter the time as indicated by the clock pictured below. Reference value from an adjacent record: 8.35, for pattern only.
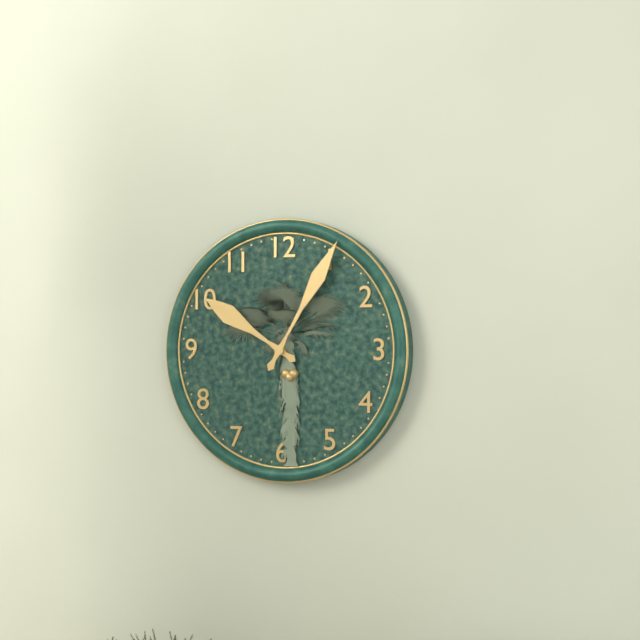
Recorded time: 10.05
